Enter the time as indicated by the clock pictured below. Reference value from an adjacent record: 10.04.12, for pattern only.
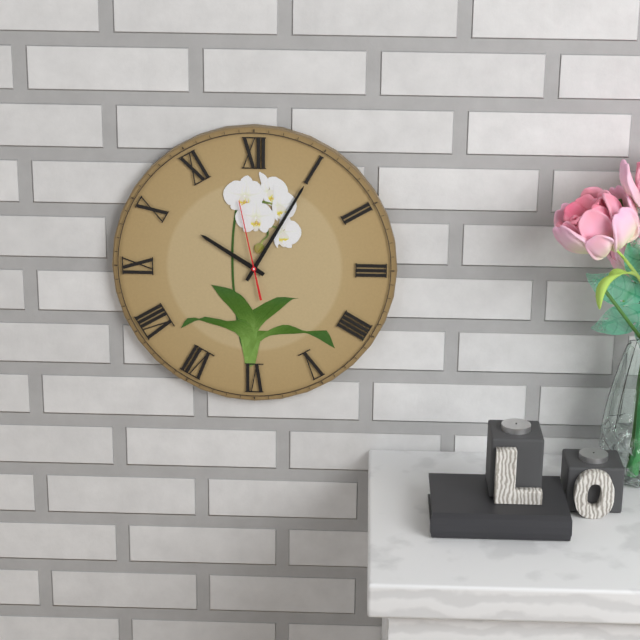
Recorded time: 10.05.58
